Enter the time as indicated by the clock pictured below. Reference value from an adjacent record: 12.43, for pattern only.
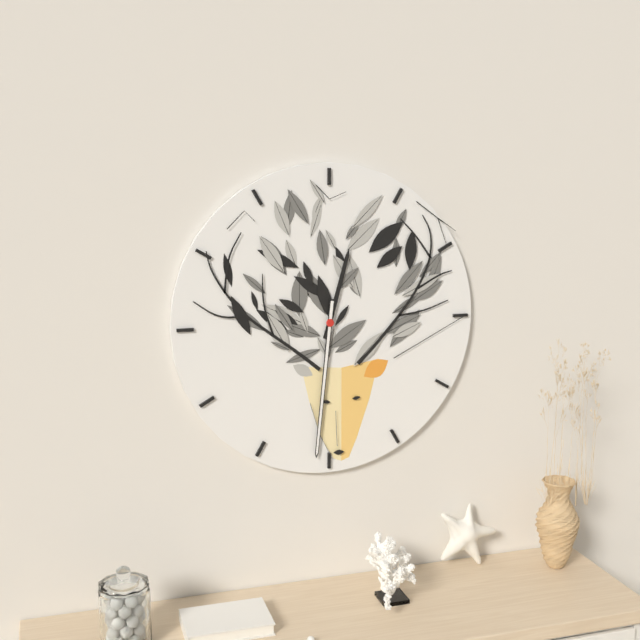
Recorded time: 12.31
